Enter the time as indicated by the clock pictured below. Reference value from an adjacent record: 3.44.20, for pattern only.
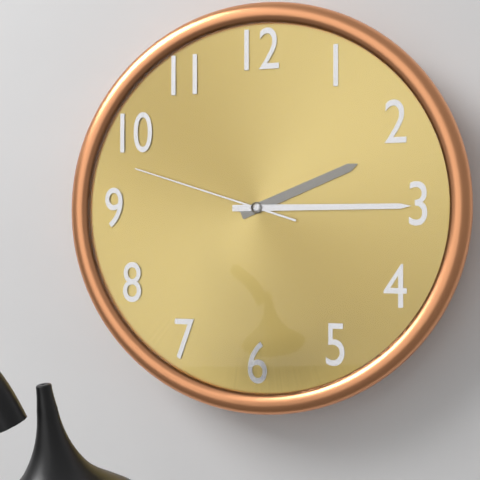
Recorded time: 2.15.48
